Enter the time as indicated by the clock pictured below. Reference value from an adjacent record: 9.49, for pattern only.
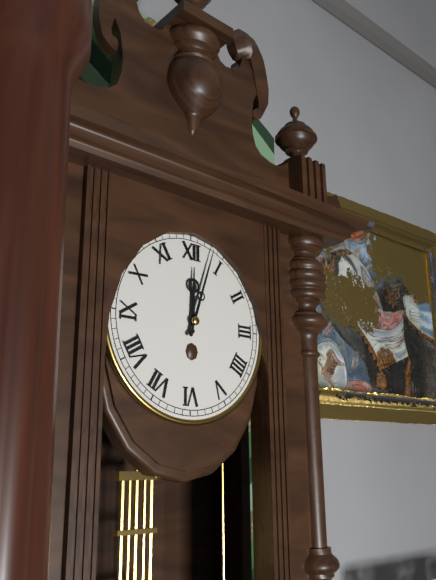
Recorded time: 12.03
